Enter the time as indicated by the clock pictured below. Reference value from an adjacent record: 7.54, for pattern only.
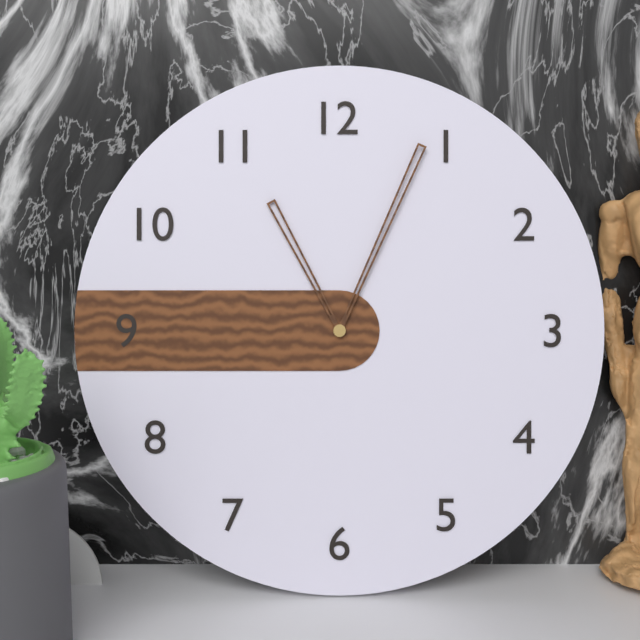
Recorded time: 11.04
